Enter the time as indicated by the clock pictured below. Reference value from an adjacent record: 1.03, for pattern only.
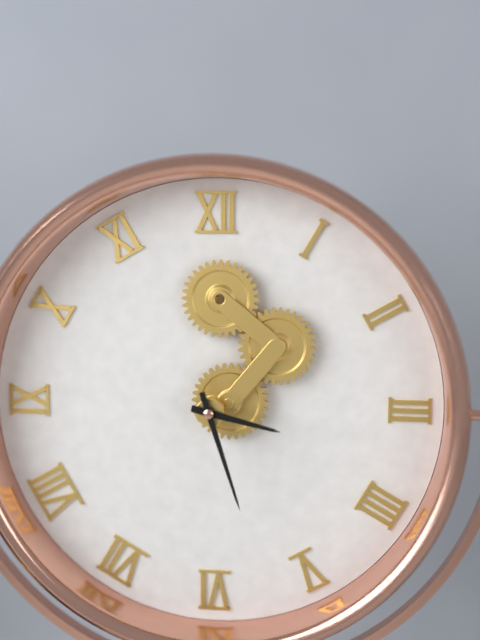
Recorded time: 3.27
